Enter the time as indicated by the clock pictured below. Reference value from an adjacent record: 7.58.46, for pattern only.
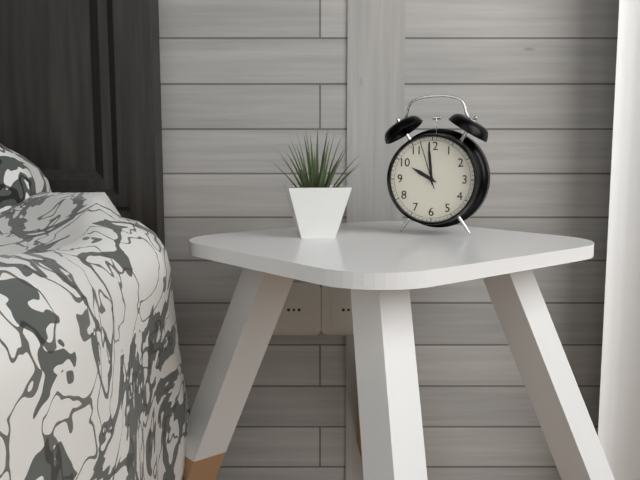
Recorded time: 9.59.57
